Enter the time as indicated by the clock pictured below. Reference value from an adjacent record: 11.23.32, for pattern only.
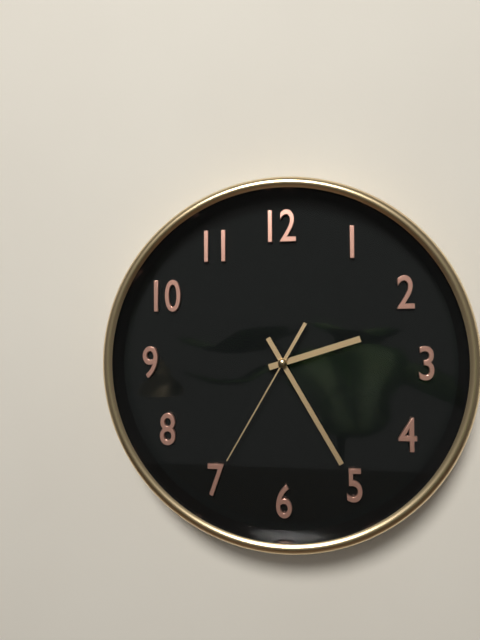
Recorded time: 2.25.35
